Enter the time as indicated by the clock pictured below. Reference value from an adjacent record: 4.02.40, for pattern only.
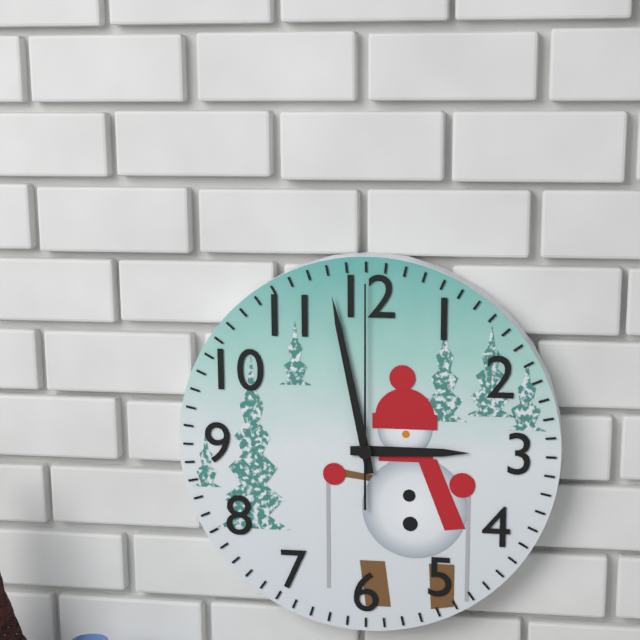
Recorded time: 2.58.00
